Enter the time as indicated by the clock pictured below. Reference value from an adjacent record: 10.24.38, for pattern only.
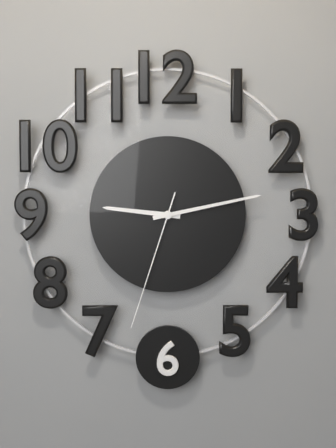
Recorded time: 9.13.33
